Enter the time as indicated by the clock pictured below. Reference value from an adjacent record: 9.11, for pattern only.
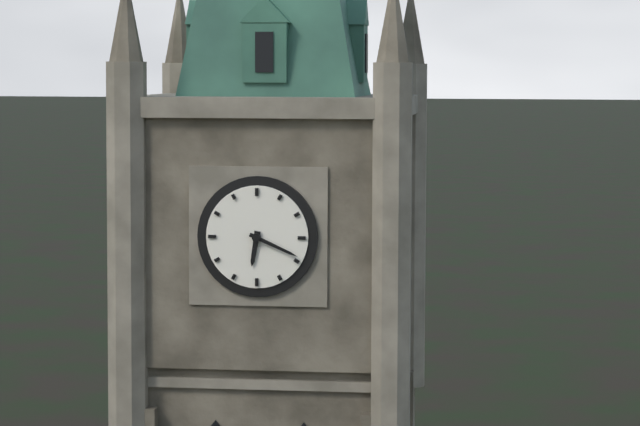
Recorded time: 6.19
